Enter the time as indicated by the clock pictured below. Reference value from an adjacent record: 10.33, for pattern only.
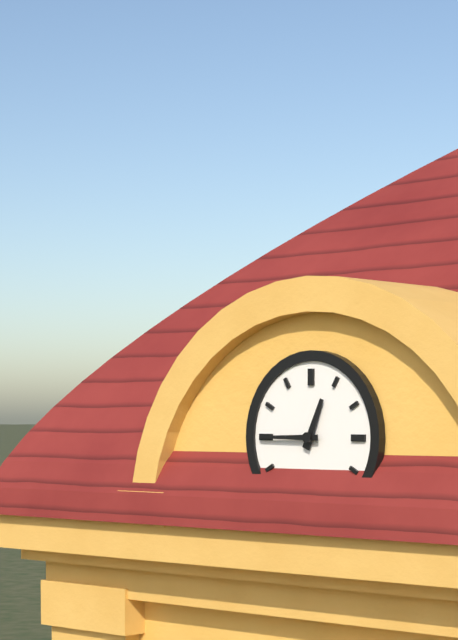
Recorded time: 12.45
